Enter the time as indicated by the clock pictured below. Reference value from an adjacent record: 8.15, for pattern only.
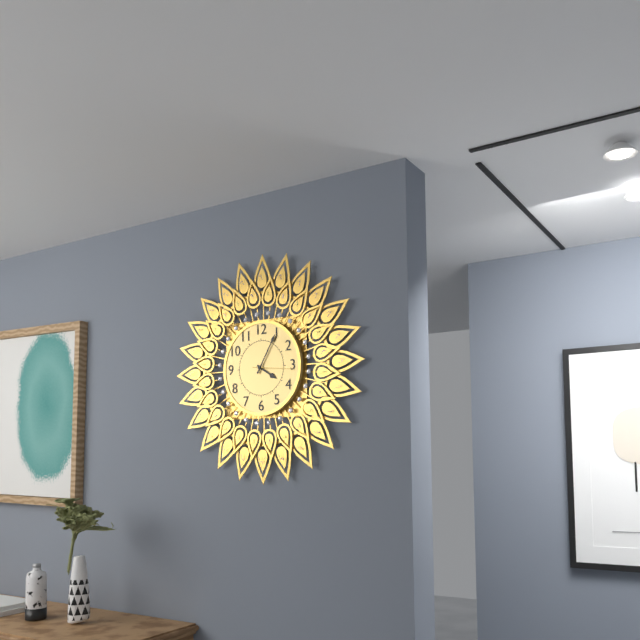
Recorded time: 4.05
